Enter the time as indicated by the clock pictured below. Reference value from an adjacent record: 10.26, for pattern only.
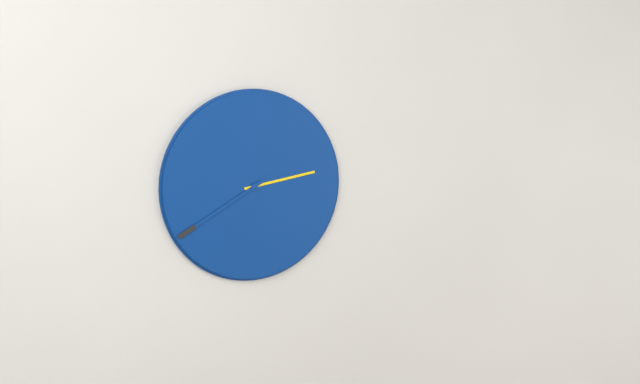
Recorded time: 2.40
